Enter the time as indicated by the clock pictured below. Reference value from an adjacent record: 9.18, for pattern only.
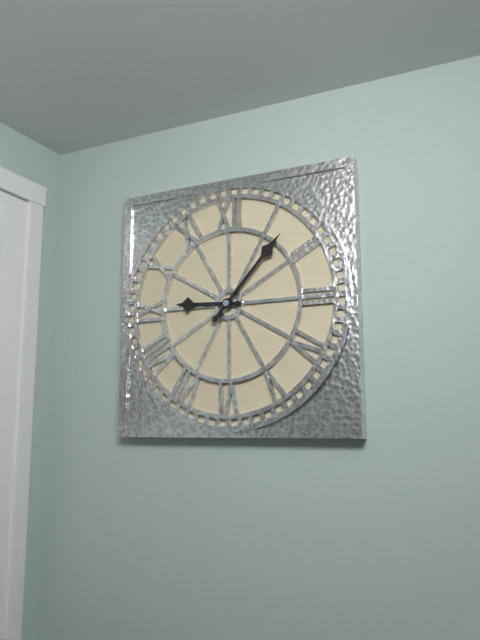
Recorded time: 9.07
